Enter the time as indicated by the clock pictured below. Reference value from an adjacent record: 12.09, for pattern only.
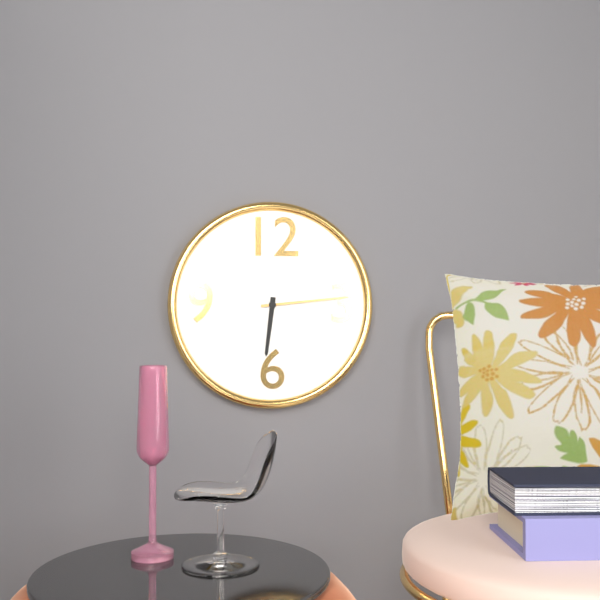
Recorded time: 6.14
